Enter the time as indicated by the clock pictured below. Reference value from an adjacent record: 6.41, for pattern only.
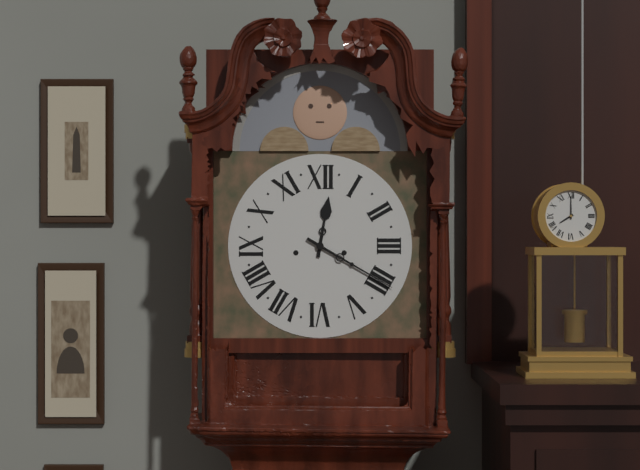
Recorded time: 12.20
